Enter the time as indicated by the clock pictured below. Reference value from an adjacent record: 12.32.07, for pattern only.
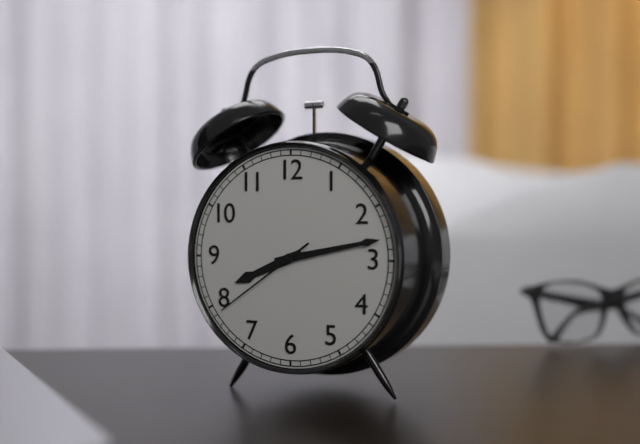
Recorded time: 8.13.39
